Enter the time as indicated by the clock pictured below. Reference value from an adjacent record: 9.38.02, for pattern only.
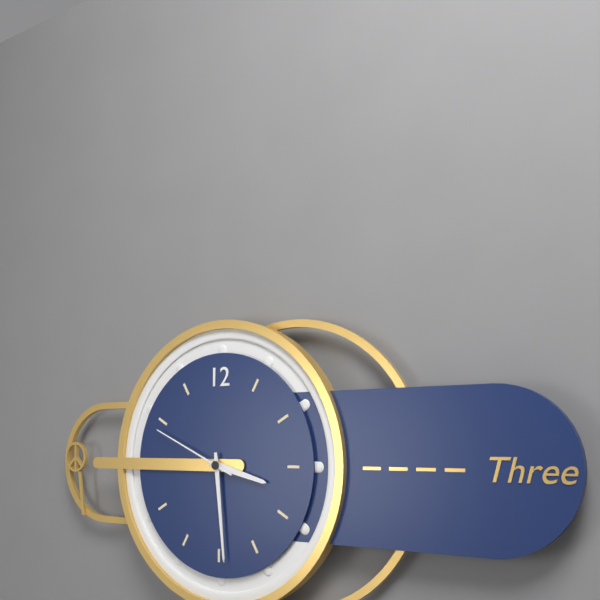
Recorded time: 3.29.49
